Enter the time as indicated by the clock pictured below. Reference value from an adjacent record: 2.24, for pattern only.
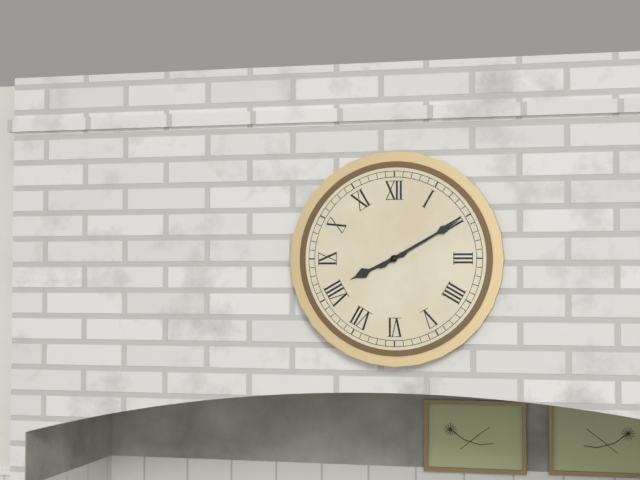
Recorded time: 8.10
